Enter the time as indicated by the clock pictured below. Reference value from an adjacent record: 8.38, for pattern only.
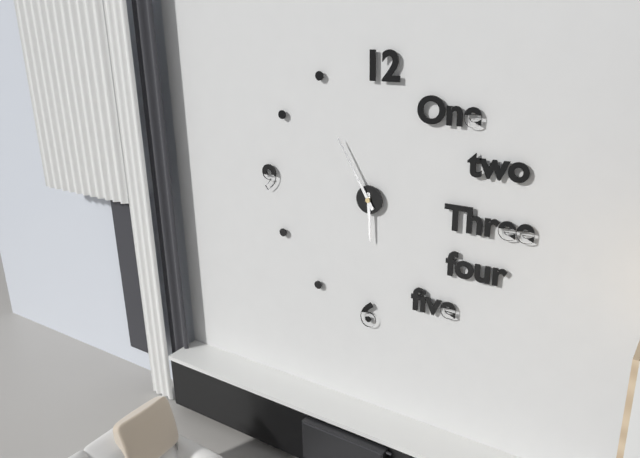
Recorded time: 5.55
